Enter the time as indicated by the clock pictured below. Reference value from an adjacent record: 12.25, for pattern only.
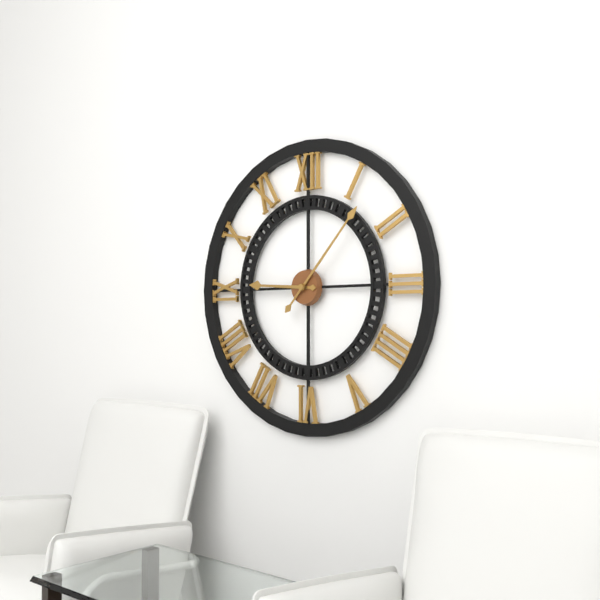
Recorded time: 9.07
